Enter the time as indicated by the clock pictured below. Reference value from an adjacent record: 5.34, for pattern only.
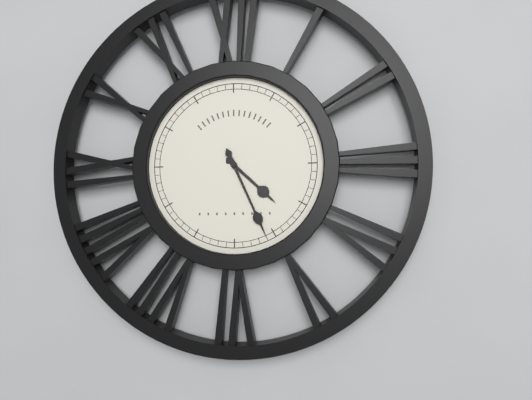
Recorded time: 4.26
